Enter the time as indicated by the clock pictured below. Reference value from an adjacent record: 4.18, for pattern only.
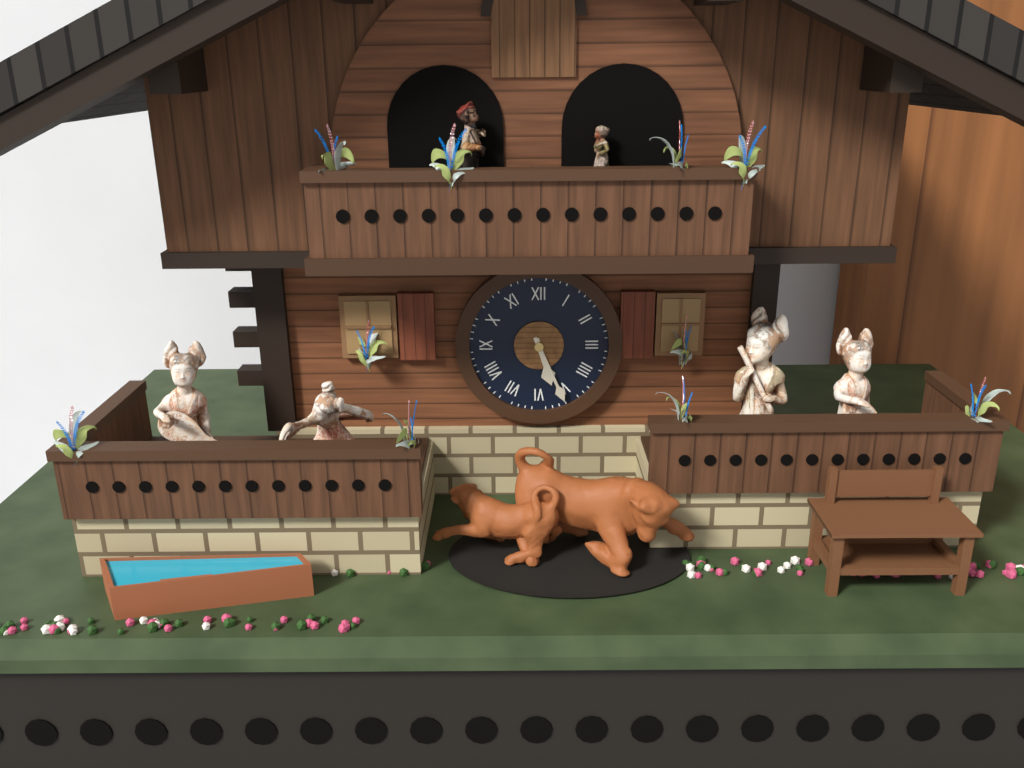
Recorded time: 5.26
